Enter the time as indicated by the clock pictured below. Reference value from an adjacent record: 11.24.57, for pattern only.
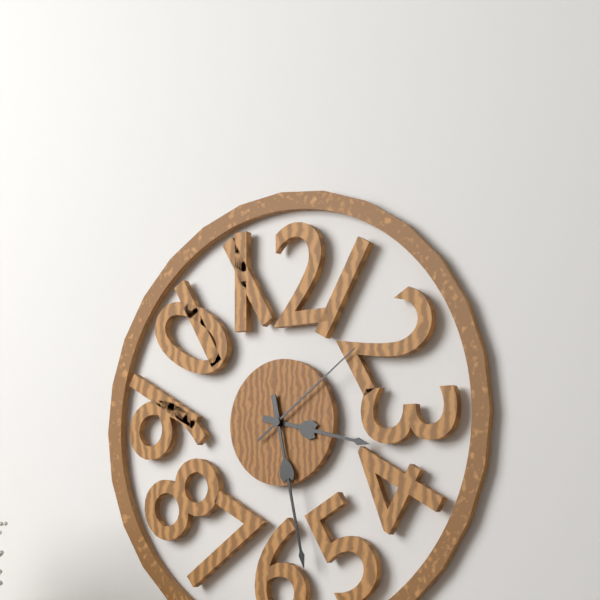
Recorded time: 3.28.09
